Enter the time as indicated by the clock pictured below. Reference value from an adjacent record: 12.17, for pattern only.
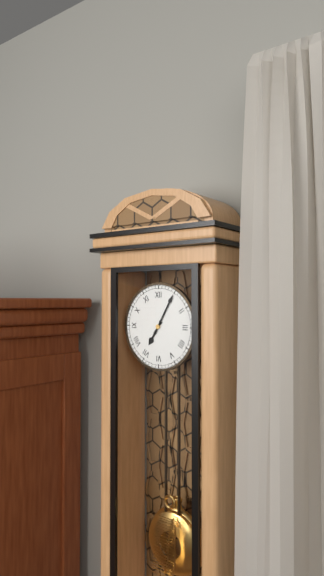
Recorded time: 7.05
